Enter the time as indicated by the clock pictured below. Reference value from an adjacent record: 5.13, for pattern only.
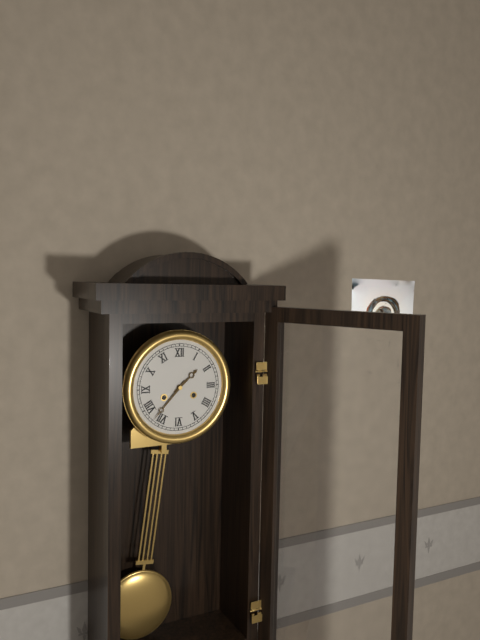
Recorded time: 1.37
